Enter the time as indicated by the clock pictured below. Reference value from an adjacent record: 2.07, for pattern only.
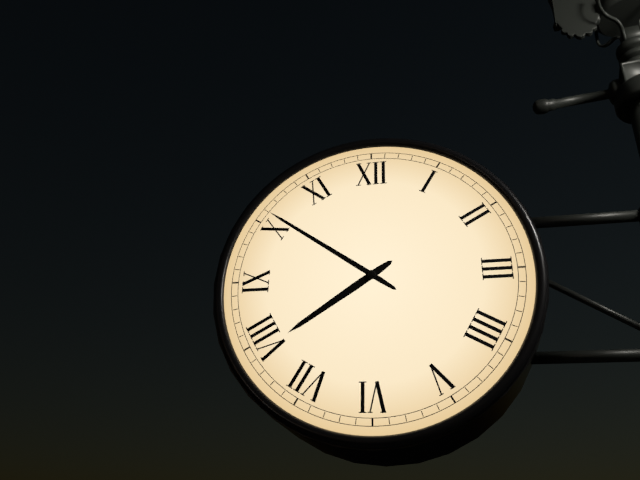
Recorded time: 7.51
